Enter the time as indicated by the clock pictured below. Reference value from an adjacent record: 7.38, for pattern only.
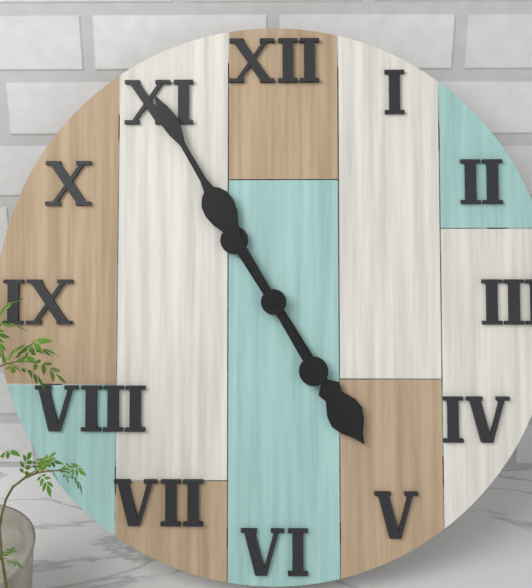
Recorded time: 4.55
